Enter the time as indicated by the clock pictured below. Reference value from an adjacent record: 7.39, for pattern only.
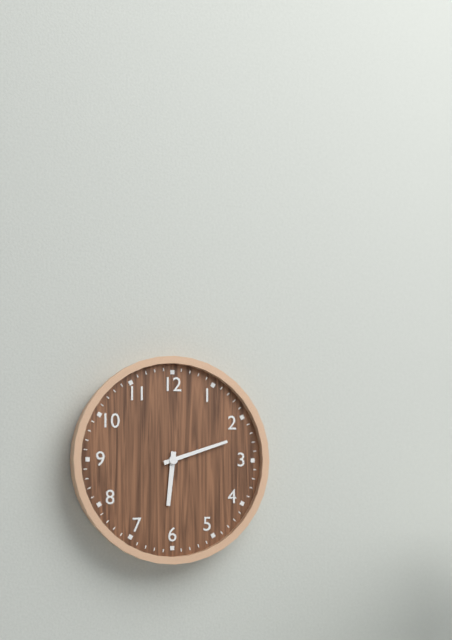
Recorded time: 6.12
